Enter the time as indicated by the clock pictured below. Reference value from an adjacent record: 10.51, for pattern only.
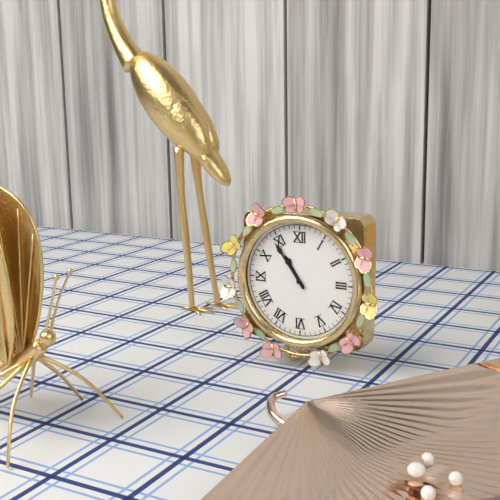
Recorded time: 10.54
